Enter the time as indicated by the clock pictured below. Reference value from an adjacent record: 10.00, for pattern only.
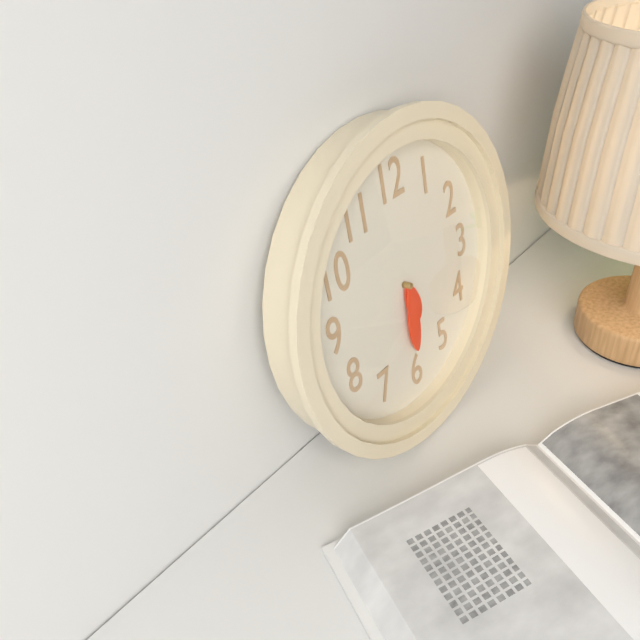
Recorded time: 5.30
